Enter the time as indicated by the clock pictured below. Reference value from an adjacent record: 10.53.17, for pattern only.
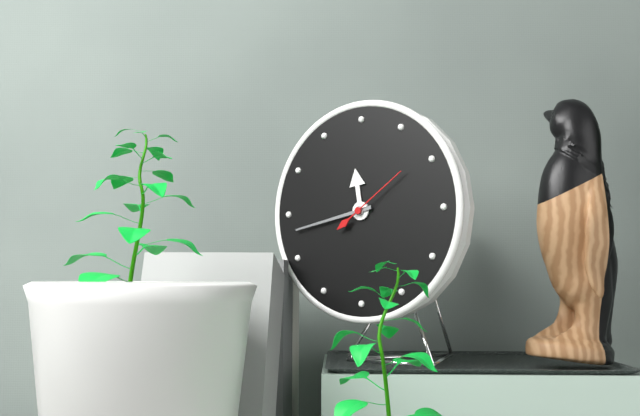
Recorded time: 11.43.09
